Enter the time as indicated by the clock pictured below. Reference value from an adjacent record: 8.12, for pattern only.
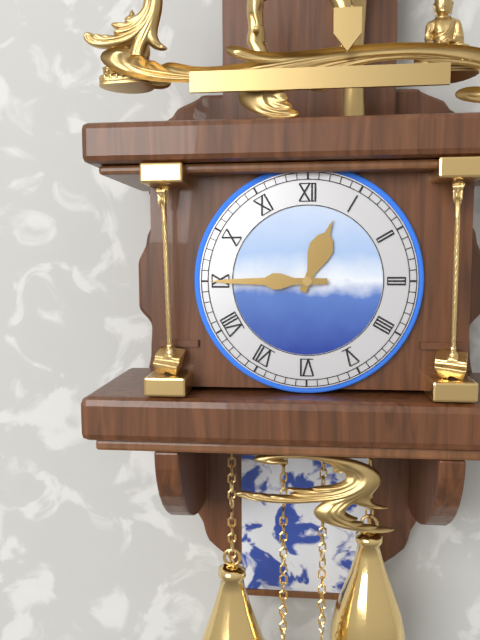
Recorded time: 12.45
